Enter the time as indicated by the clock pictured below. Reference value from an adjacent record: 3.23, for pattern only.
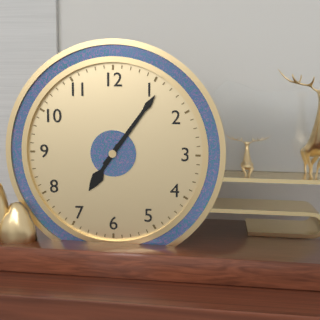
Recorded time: 7.06
